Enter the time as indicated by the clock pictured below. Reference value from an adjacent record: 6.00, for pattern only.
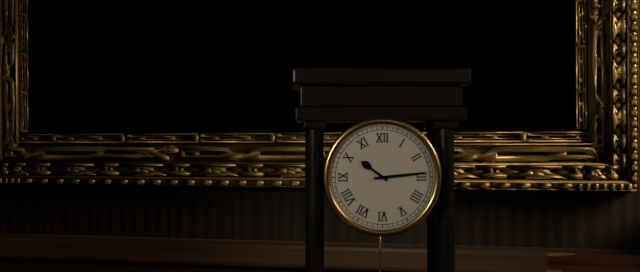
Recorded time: 10.14
